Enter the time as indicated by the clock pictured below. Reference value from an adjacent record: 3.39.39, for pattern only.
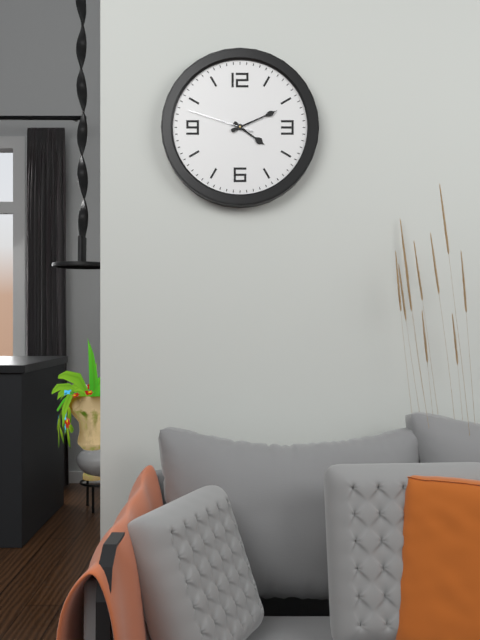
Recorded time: 4.11.48
